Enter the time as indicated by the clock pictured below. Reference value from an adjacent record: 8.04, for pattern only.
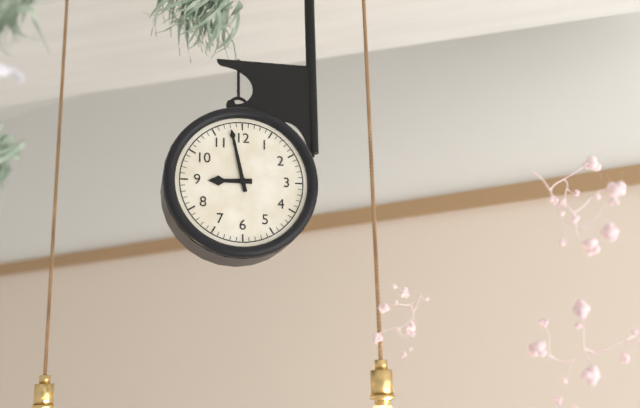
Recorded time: 8.58
